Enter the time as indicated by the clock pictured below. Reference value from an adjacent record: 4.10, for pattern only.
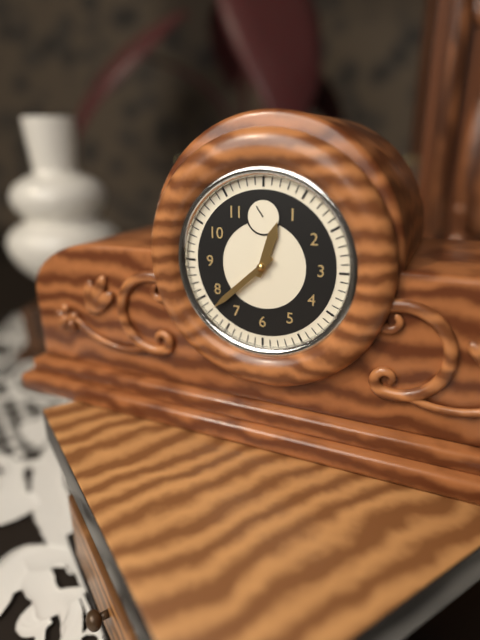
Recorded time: 12.38
